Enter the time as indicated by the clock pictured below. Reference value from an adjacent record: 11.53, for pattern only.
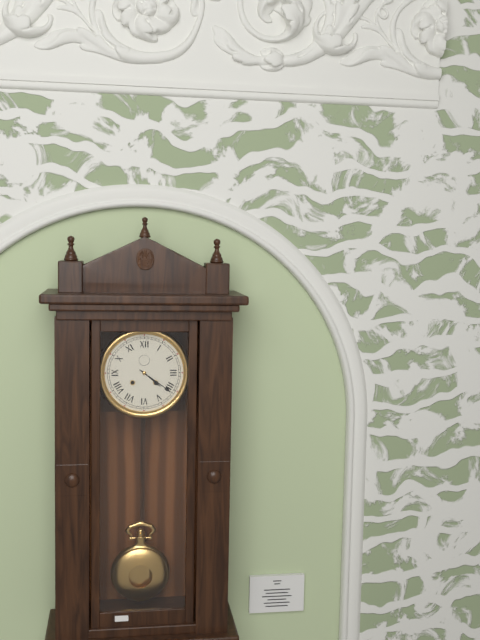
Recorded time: 4.21
